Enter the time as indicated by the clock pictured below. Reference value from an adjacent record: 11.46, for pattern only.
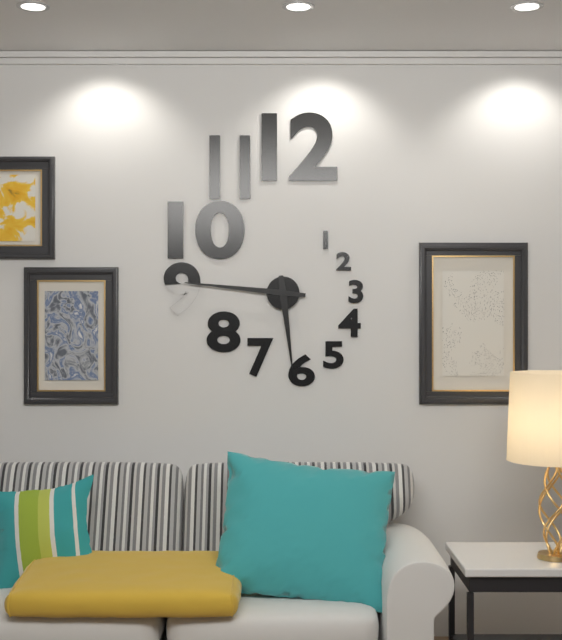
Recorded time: 5.46
